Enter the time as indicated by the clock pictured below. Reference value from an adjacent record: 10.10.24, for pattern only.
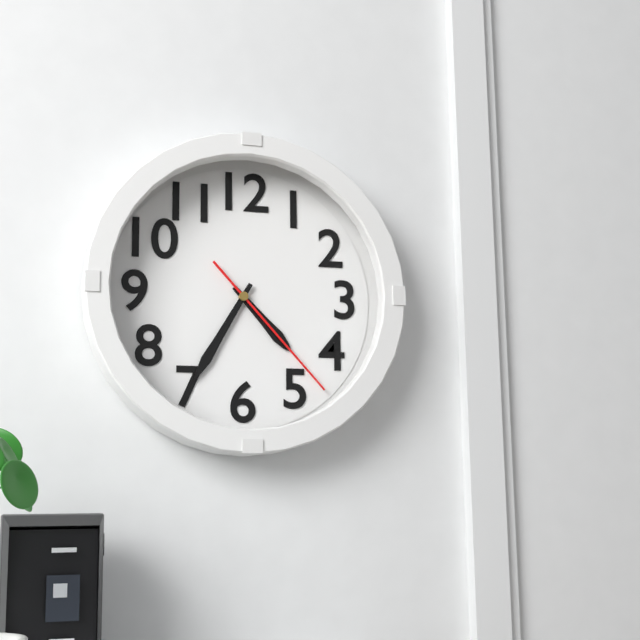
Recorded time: 4.35.23
